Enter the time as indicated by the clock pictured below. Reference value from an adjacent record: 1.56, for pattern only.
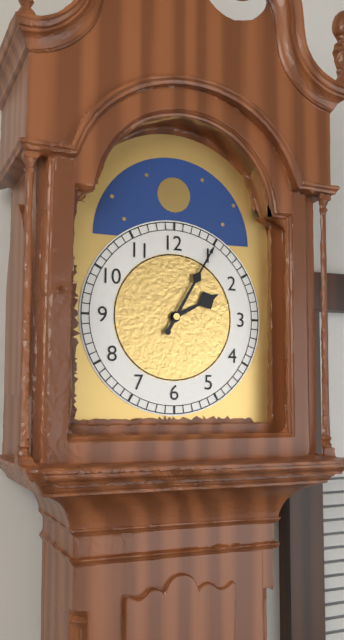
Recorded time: 2.05
